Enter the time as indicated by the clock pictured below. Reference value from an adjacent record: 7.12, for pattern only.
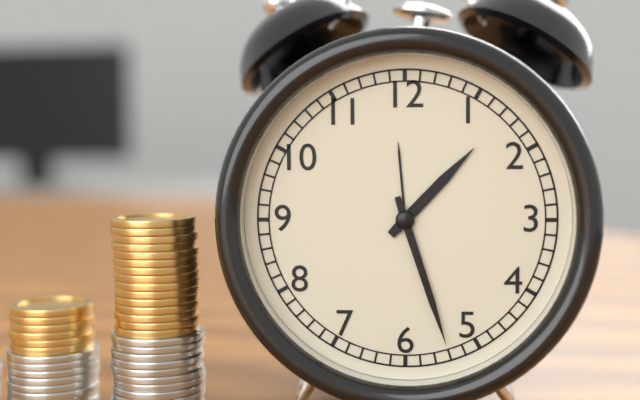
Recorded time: 1.27
